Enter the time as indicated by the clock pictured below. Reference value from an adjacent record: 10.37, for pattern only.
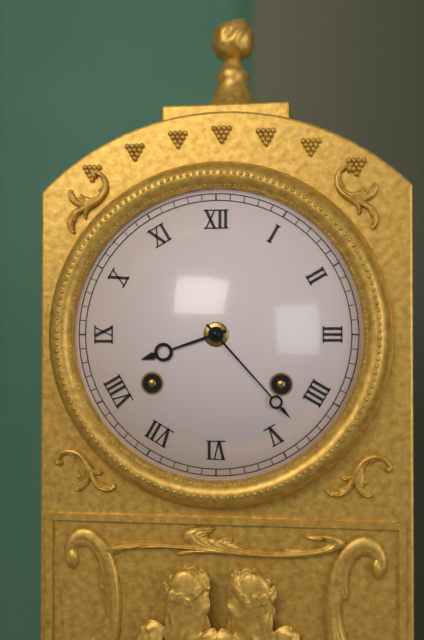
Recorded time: 8.23
